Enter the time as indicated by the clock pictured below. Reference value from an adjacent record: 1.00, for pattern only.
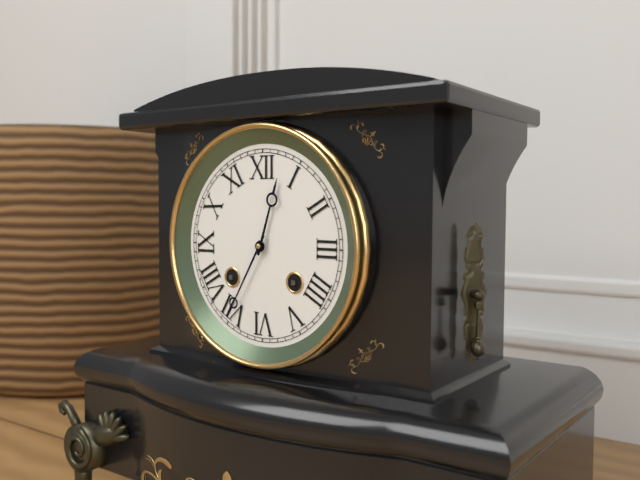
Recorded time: 12.35
